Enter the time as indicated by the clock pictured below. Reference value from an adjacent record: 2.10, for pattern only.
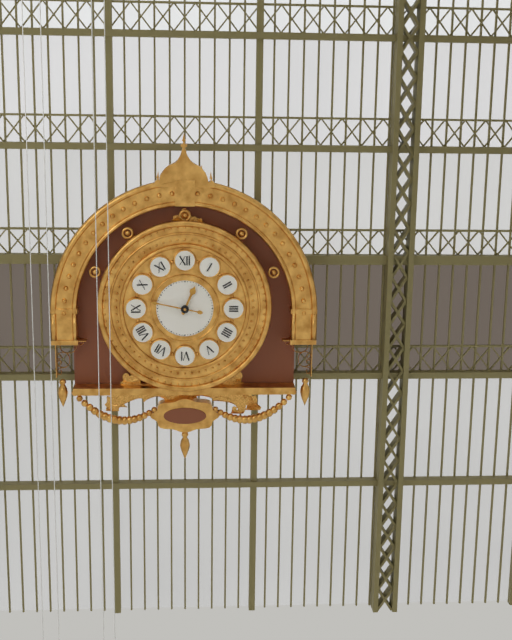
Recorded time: 12.47
